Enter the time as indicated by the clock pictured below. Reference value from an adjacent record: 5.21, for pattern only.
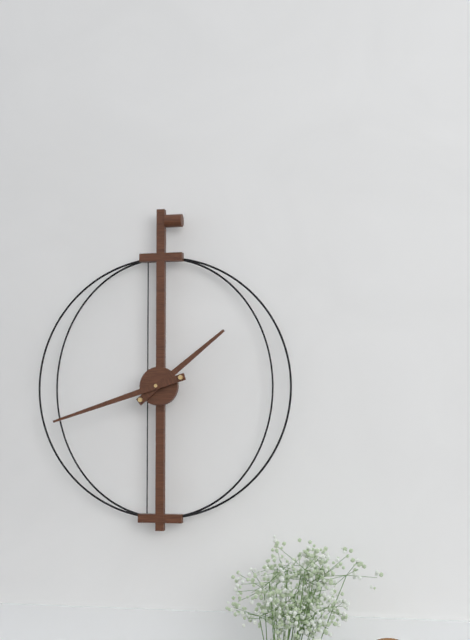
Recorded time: 1.42
